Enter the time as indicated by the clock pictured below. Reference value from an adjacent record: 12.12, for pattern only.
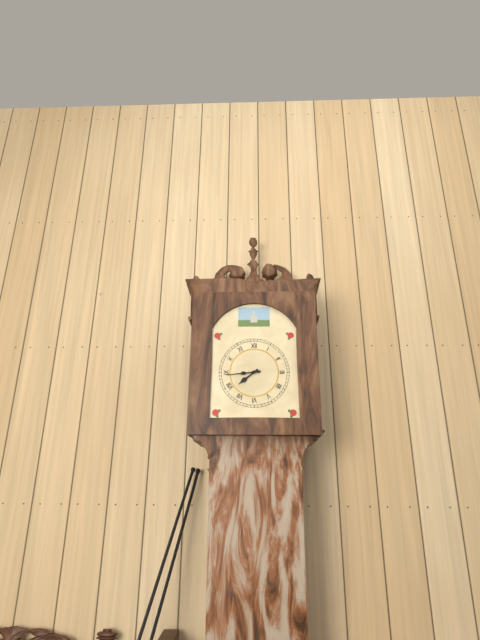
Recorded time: 7.44
